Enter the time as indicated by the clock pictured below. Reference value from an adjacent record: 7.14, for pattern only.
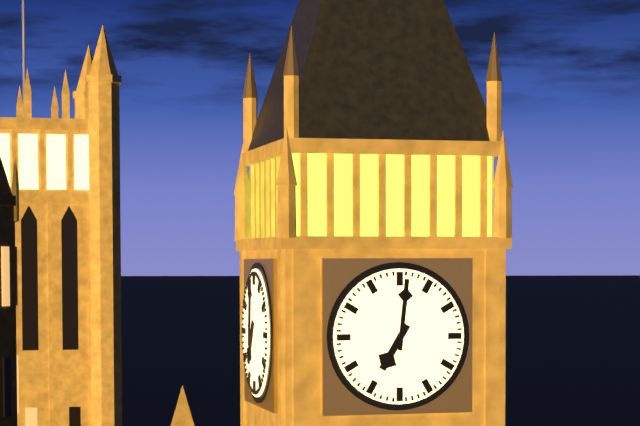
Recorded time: 7.01
